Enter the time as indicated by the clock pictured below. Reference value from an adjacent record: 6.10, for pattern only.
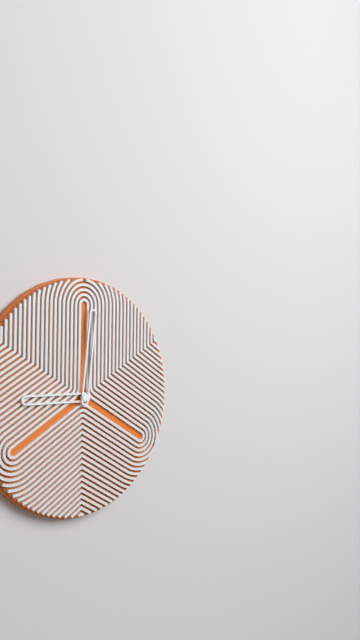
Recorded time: 9.01
